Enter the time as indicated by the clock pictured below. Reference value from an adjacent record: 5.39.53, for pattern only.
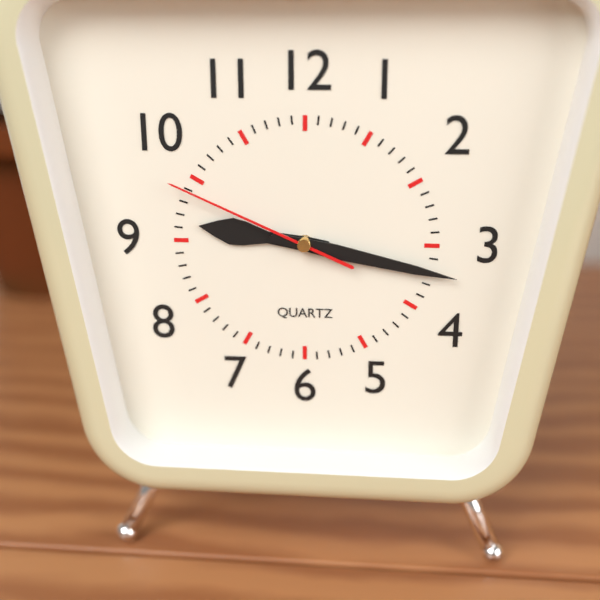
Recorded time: 9.17.49
